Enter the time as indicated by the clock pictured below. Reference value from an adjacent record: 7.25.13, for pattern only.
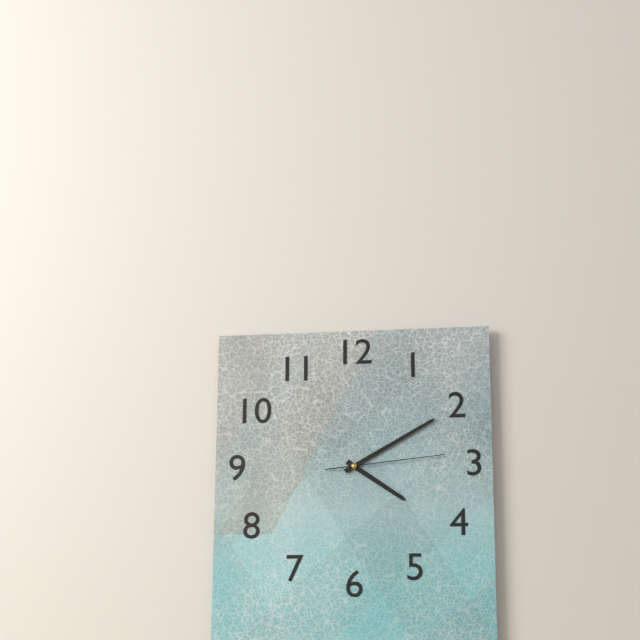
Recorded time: 4.10.14
